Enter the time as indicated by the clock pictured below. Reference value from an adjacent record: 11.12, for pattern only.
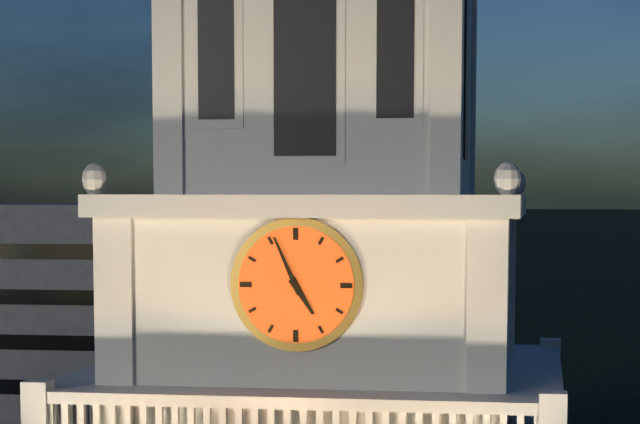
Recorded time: 4.56
